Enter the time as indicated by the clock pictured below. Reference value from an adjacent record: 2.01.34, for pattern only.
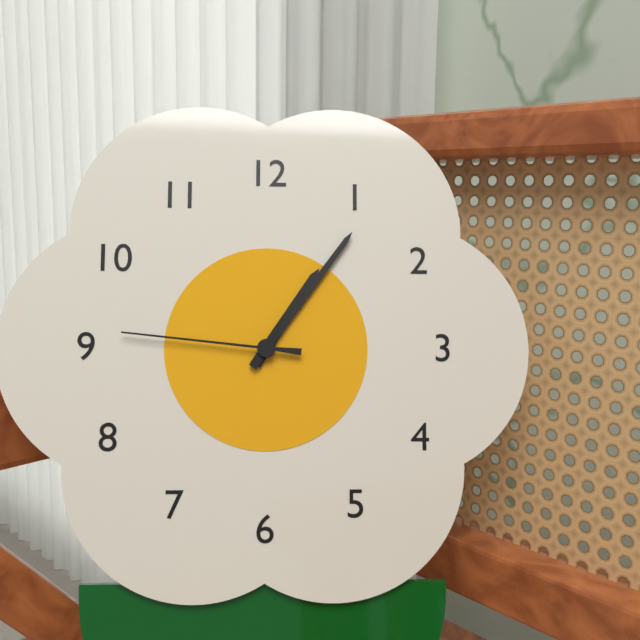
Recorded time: 1.06.46
